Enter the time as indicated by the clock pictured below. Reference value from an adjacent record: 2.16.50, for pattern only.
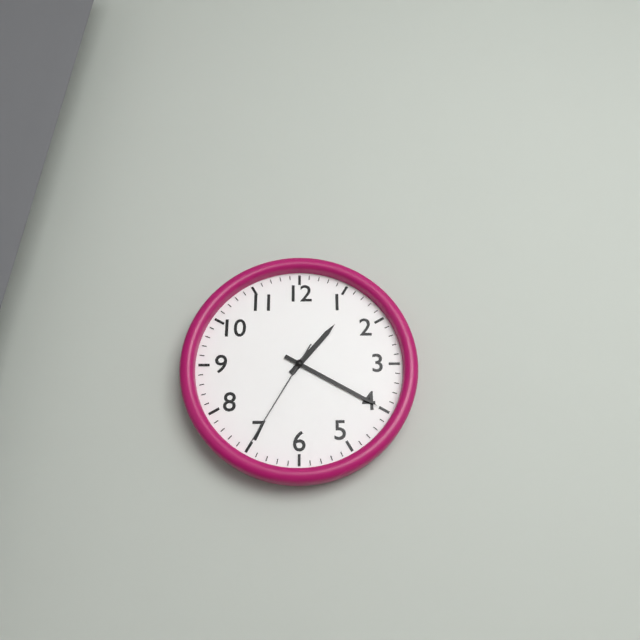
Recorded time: 1.20.35
